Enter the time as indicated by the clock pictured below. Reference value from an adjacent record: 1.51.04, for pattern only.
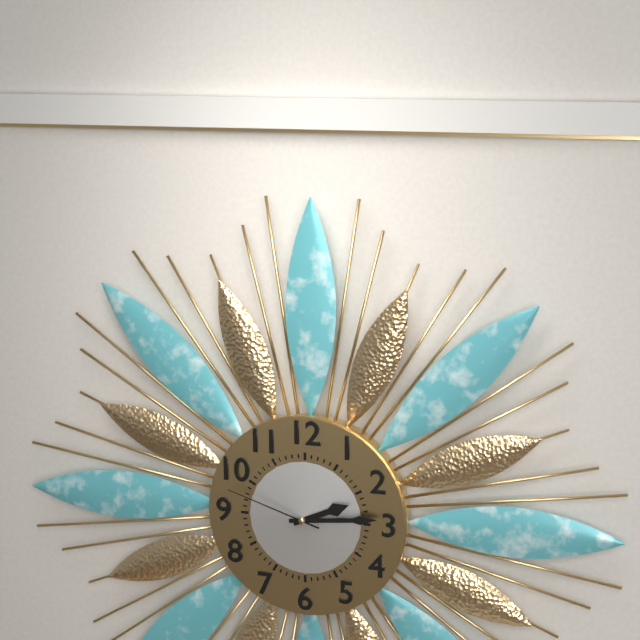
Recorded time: 2.14.48
